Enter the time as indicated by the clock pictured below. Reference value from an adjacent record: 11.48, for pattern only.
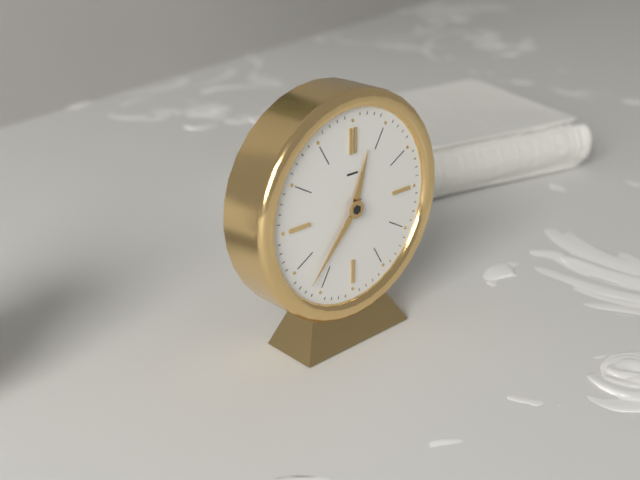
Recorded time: 12.37
